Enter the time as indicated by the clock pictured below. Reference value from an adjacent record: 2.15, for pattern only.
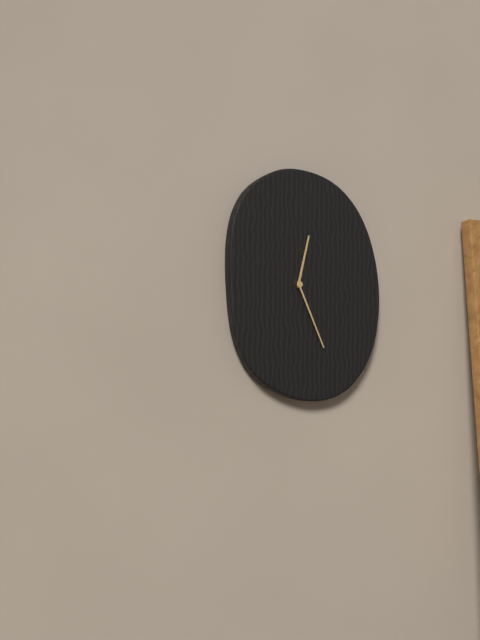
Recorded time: 12.26
